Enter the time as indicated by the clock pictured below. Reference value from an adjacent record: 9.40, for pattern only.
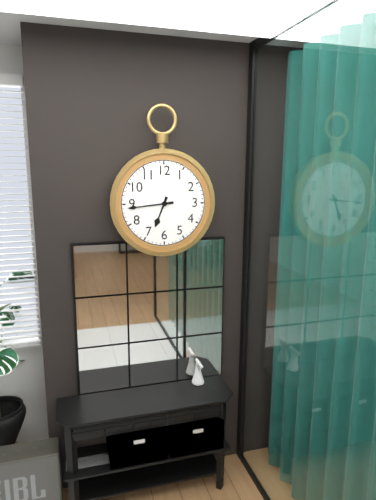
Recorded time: 6.44
